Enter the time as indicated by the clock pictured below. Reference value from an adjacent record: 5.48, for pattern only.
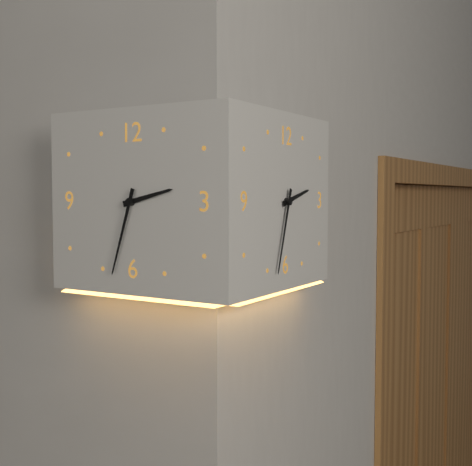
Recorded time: 2.33
